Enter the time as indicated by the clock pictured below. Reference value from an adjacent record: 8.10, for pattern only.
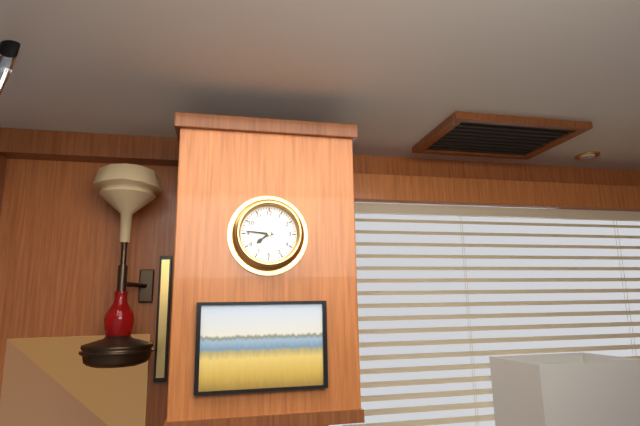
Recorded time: 7.46
